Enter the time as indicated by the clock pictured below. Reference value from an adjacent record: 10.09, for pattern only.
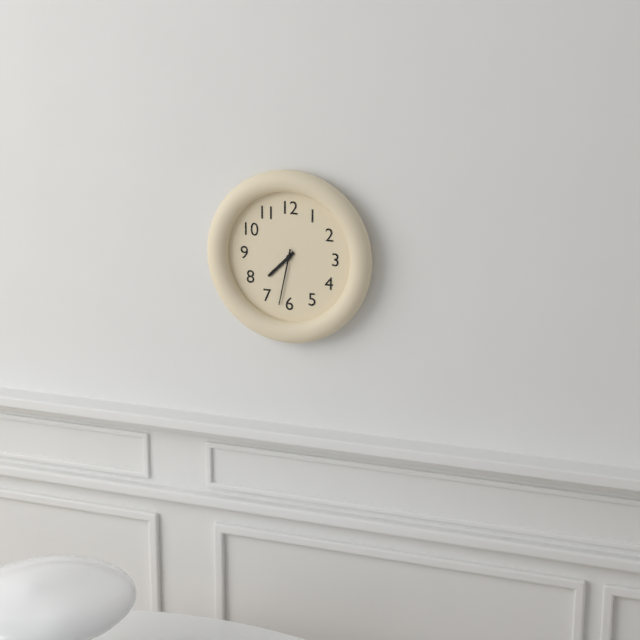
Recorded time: 7.32
